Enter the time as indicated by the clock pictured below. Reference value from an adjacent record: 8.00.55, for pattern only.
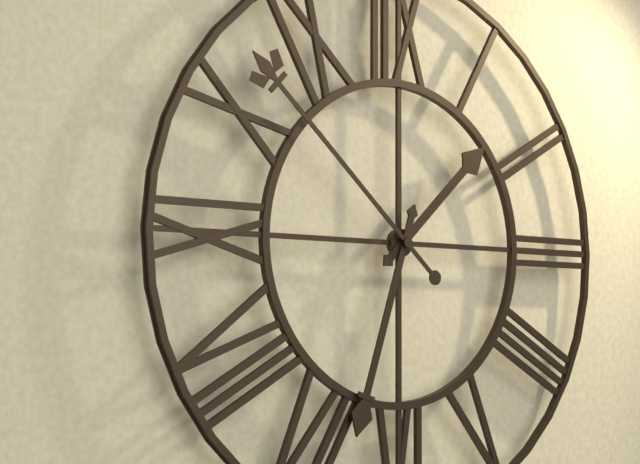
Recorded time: 1.33.52
